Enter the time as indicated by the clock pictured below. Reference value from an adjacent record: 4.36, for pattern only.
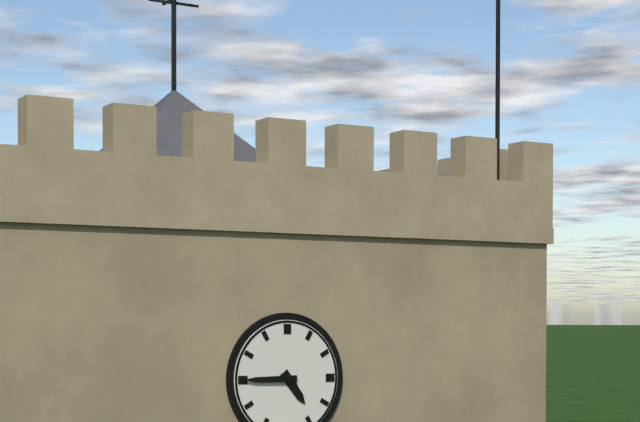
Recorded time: 4.45
